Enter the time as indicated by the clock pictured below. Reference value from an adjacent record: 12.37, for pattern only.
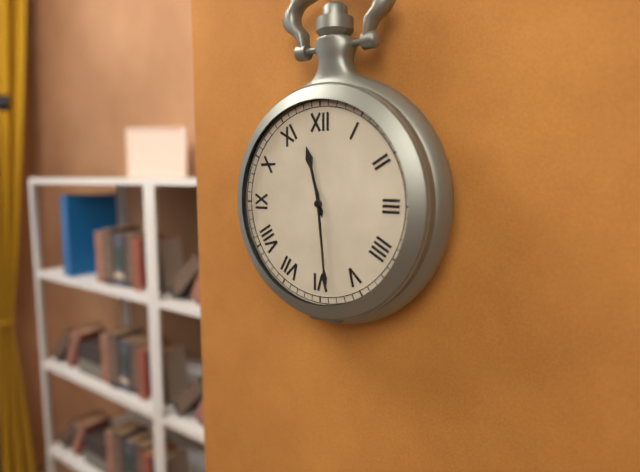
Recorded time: 11.29
